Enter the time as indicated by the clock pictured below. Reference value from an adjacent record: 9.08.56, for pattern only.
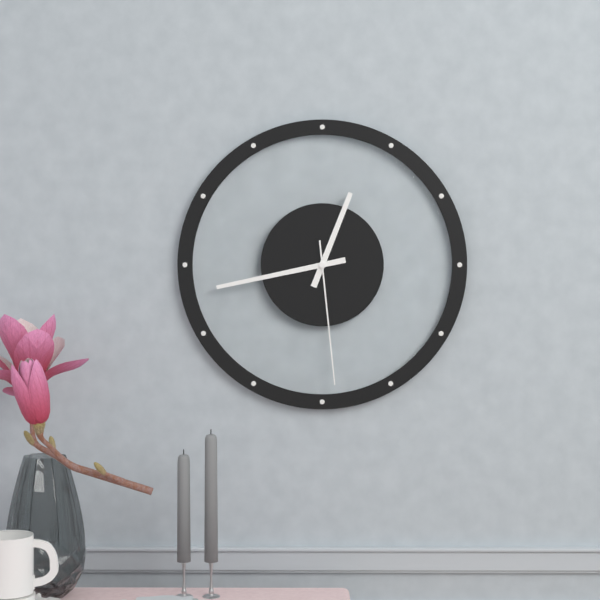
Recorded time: 12.43.29
